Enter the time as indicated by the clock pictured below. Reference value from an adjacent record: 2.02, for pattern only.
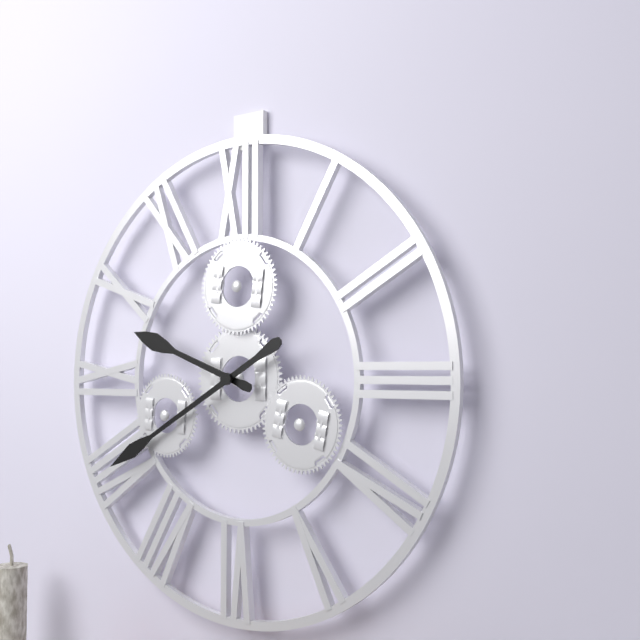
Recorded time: 9.40
